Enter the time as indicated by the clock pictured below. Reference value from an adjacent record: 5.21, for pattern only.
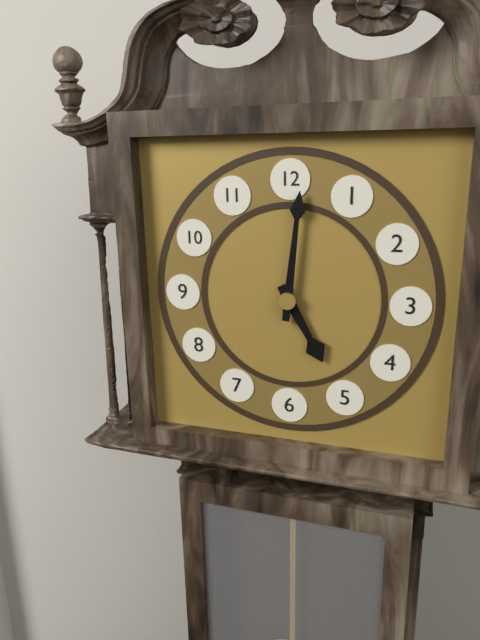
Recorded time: 5.01
